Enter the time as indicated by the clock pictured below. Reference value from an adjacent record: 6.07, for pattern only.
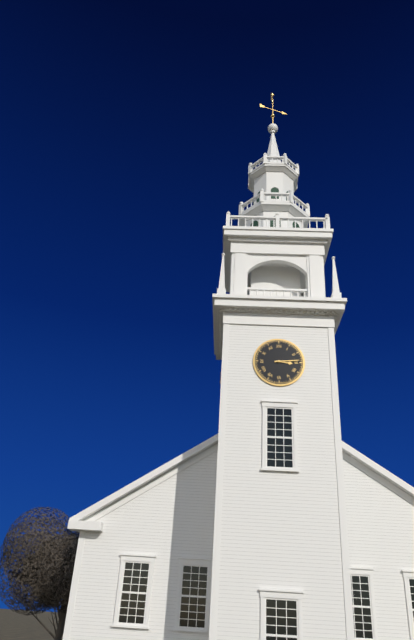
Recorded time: 3.14
